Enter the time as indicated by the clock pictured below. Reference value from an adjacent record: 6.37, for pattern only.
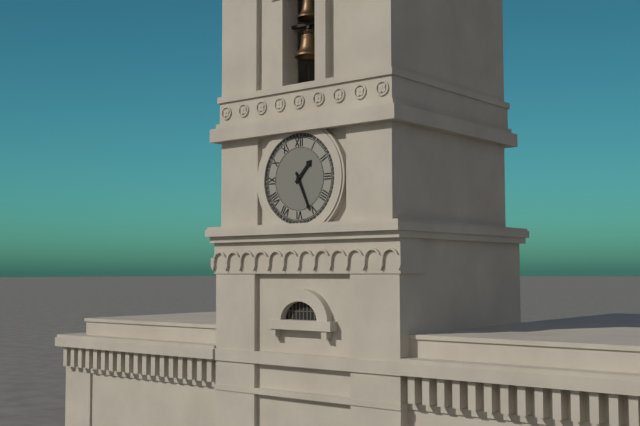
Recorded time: 1.26
